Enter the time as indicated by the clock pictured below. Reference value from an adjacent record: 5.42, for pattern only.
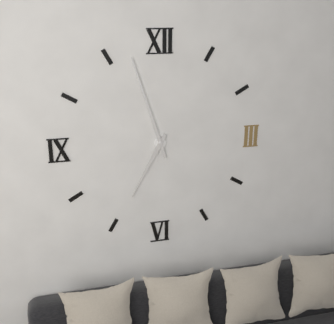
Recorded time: 6.57
